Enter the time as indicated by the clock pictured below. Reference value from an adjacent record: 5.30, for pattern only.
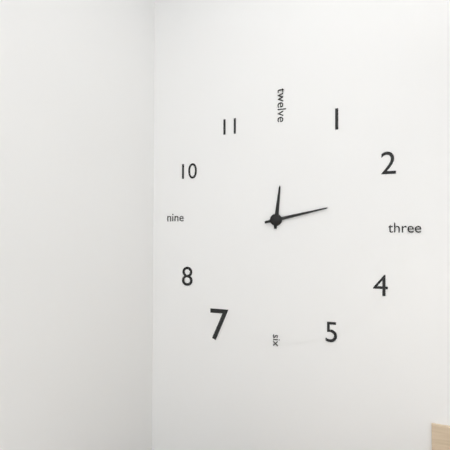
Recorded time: 12.13
